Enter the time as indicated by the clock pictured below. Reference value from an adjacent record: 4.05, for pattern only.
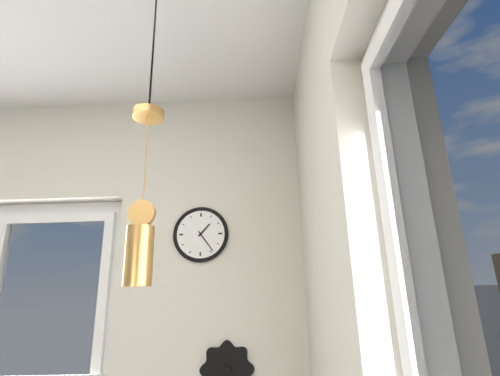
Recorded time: 1.24
